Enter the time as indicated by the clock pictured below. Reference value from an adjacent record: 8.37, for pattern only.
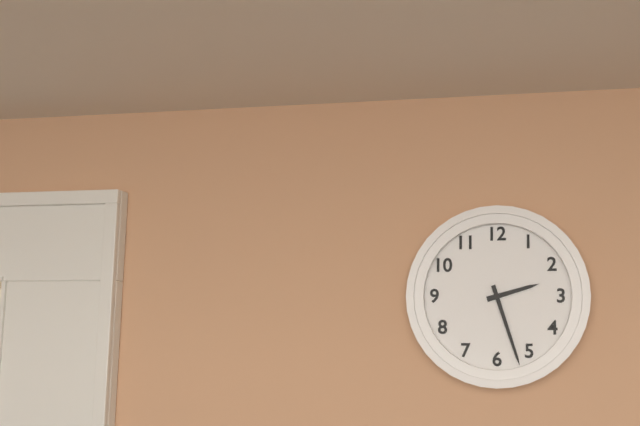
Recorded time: 2.27
